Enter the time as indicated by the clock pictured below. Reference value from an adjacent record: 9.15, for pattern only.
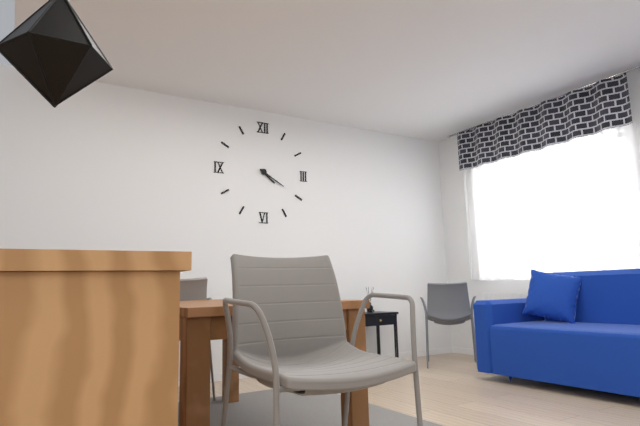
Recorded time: 4.20
